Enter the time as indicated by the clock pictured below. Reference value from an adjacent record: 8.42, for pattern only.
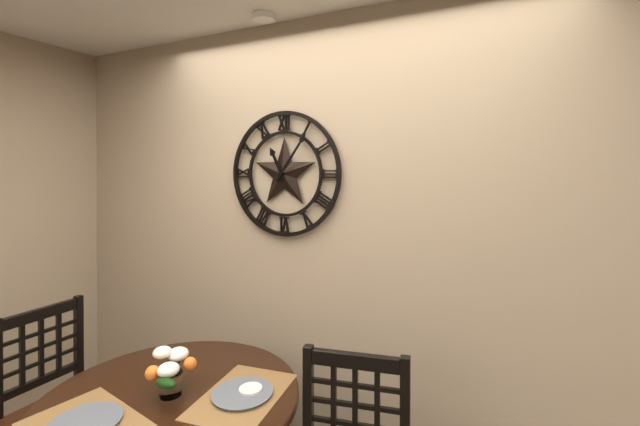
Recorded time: 11.06
